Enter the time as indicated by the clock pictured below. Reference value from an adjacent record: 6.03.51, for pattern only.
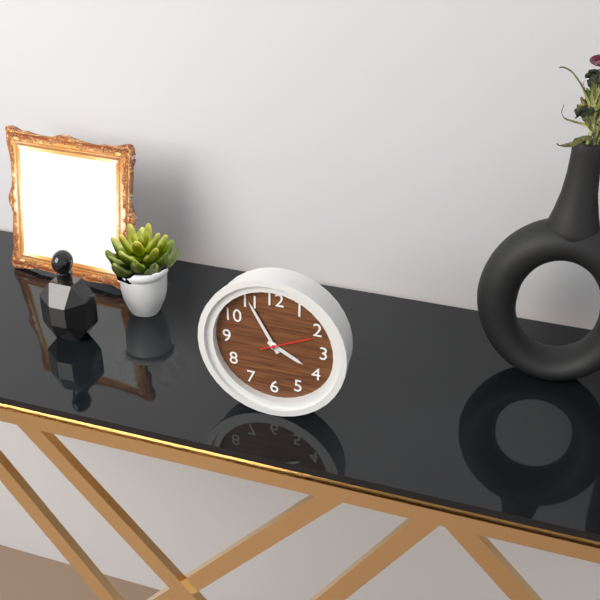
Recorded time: 3.55.11
